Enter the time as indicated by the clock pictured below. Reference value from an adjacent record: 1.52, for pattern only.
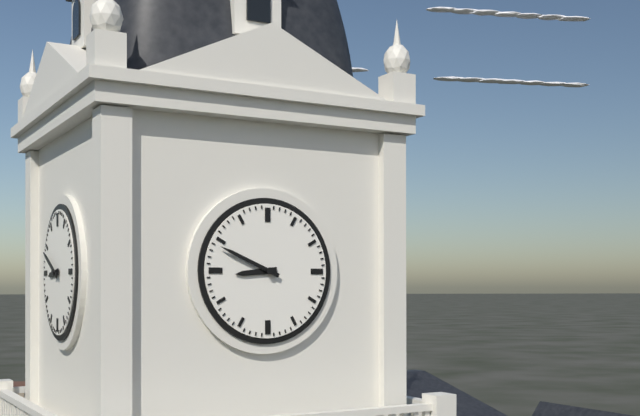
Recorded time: 8.49
